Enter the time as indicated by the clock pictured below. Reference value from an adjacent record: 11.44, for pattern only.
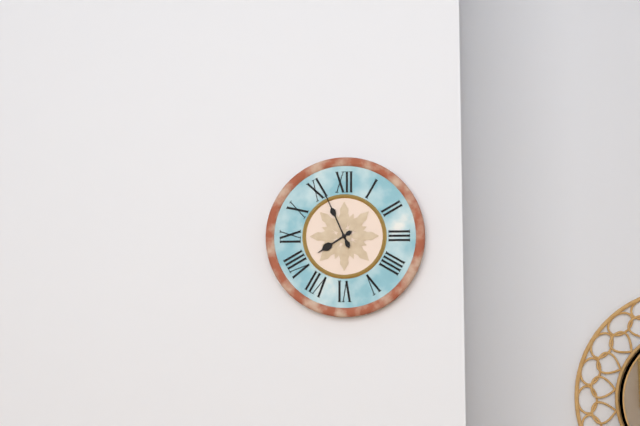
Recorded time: 7.56
